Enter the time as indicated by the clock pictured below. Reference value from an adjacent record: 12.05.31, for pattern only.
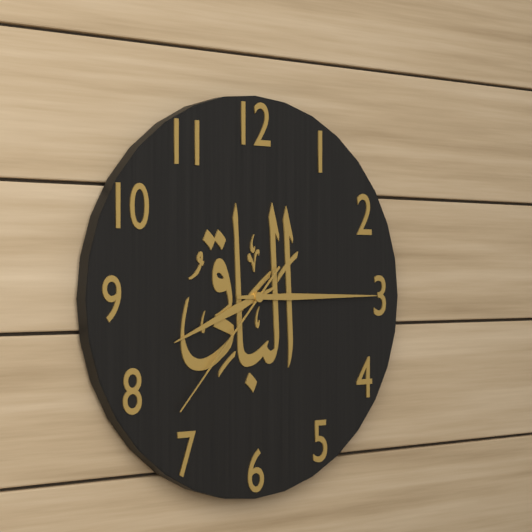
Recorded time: 8.15.37
